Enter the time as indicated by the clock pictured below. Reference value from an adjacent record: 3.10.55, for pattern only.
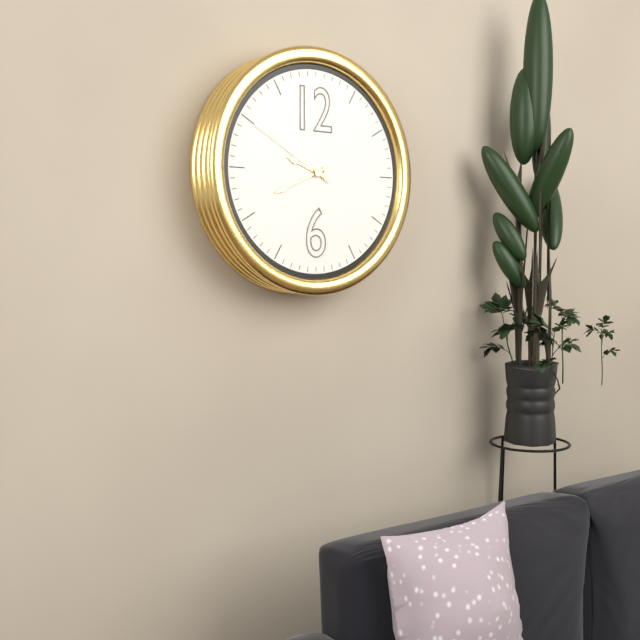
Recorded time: 9.41.50
